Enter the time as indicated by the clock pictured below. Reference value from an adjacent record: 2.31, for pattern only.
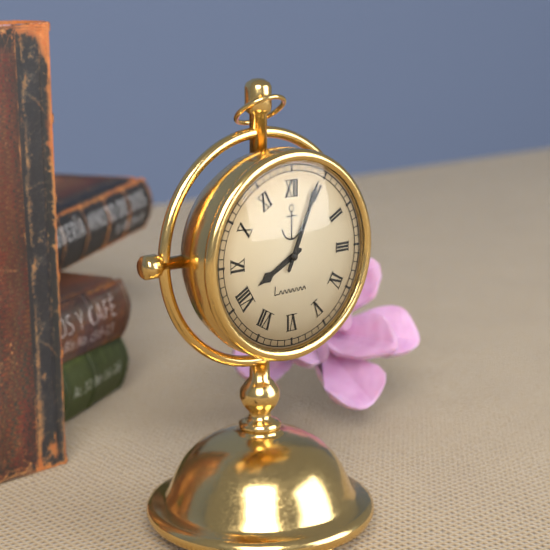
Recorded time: 8.04
